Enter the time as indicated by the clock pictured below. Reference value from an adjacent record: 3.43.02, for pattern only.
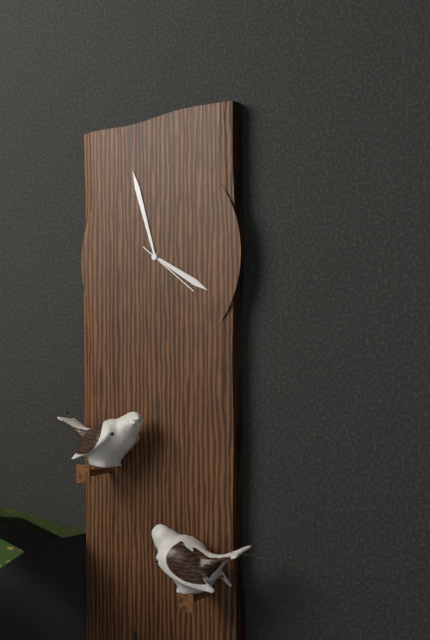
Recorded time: 3.57.21
